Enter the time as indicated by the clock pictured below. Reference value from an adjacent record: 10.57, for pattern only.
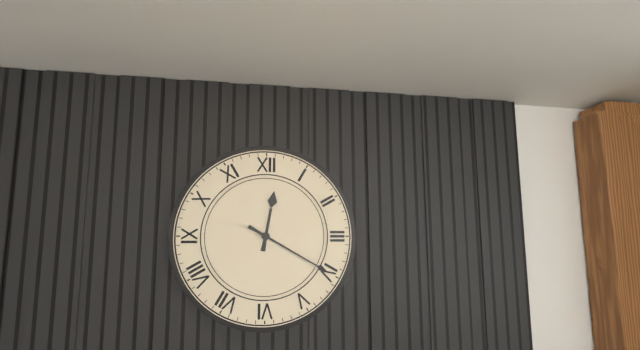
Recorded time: 12.20
